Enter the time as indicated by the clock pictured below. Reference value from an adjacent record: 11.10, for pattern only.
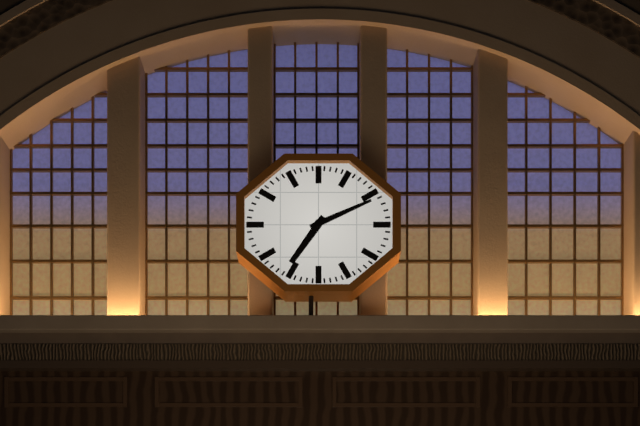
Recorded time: 7.11
